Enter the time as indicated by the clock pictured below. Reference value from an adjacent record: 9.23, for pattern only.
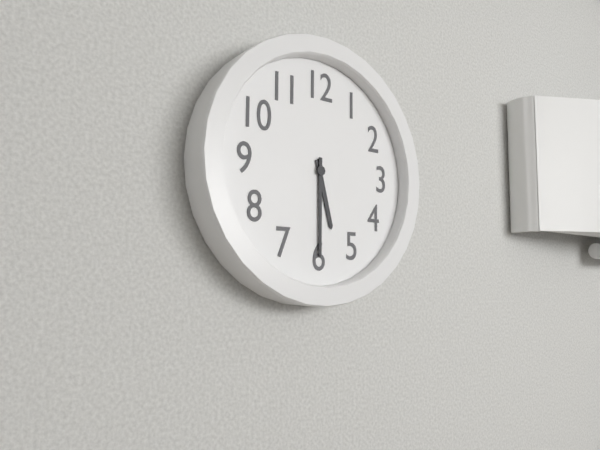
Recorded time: 5.30
